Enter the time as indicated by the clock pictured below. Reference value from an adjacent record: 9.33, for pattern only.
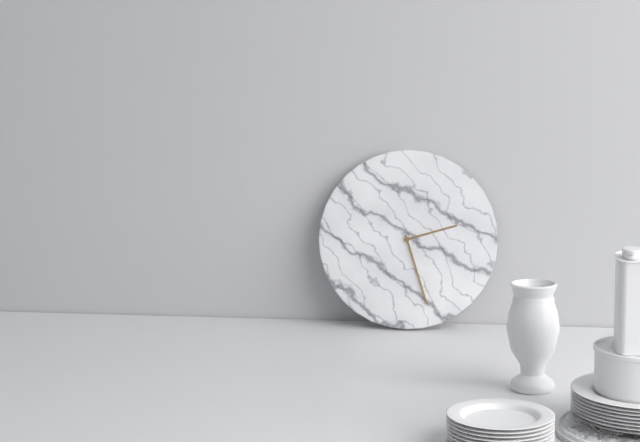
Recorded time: 2.27
